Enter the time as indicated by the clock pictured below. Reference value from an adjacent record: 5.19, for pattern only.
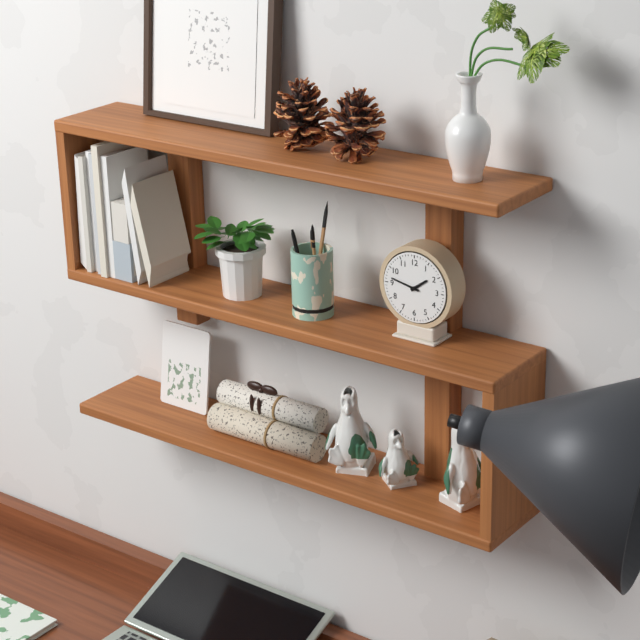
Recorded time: 1.47
